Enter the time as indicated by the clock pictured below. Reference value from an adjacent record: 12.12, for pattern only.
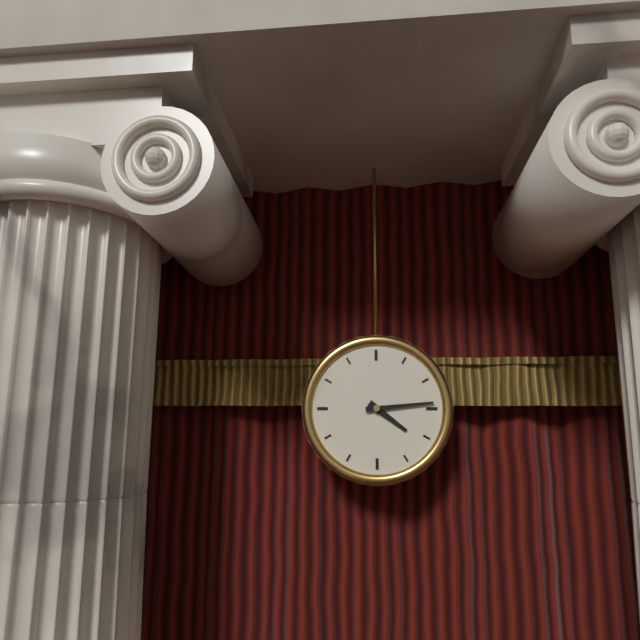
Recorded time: 4.14
